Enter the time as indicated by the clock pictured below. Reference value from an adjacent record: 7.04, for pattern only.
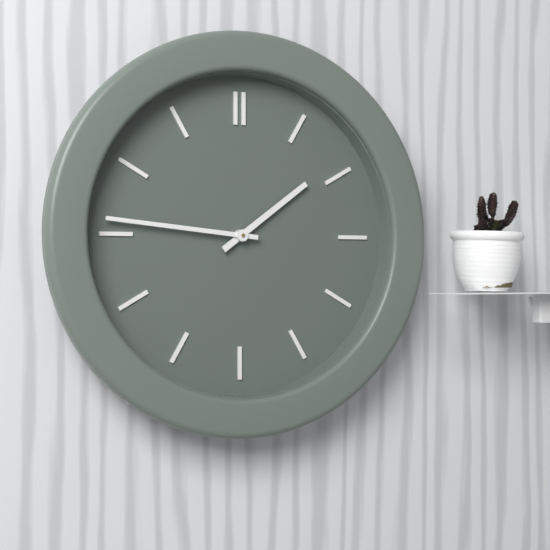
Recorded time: 1.46
